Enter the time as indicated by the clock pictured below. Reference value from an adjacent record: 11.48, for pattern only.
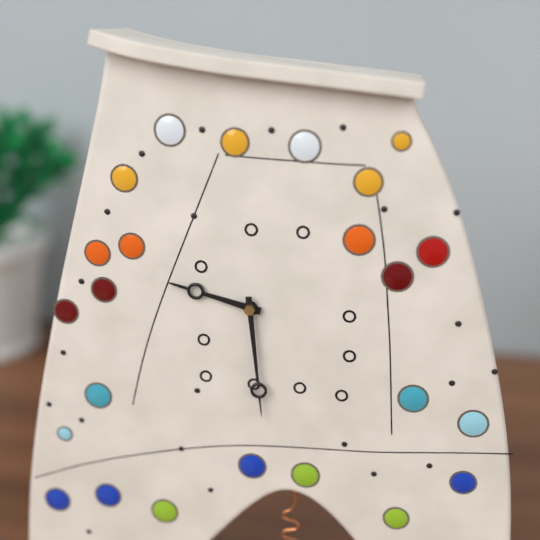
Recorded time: 9.29
